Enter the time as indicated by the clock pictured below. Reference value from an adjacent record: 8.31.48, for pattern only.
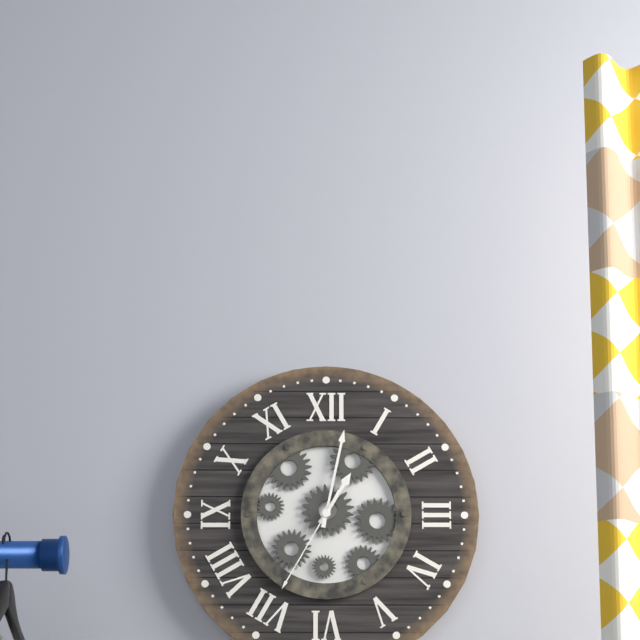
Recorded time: 1.02.35
